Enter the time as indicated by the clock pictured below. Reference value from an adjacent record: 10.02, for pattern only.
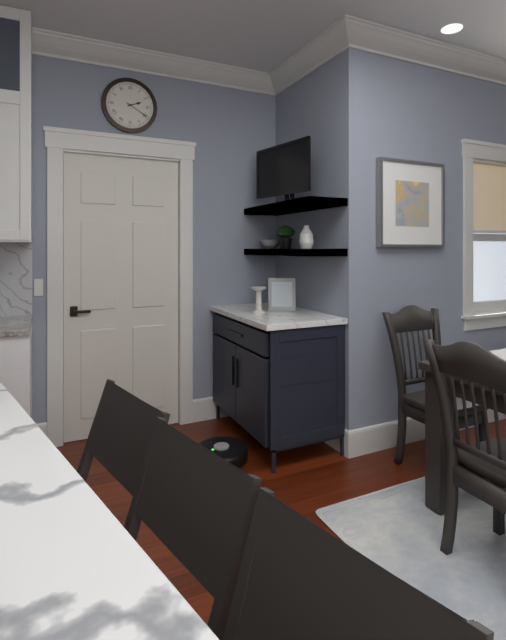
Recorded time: 2.20
